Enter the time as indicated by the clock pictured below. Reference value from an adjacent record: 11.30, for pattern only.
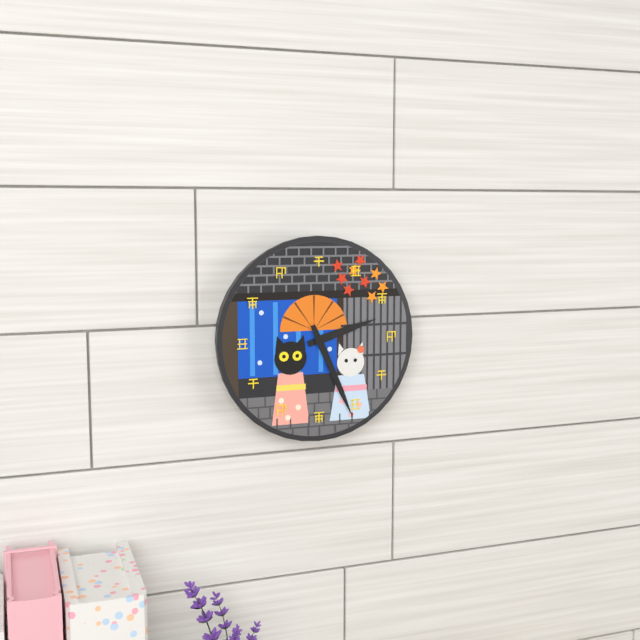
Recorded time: 2.26
